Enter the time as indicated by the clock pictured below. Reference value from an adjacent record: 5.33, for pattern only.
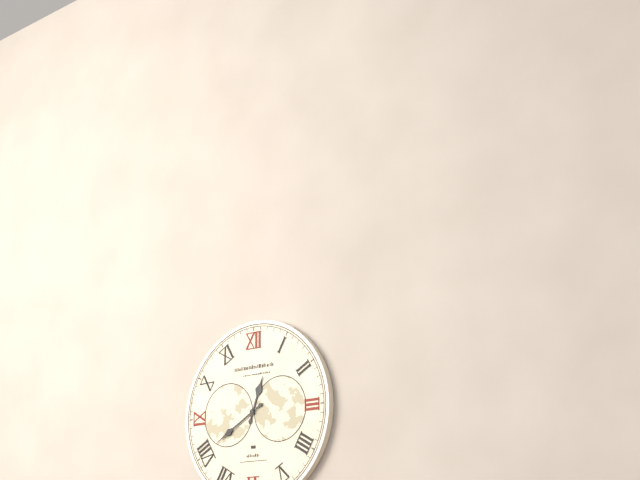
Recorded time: 12.40
